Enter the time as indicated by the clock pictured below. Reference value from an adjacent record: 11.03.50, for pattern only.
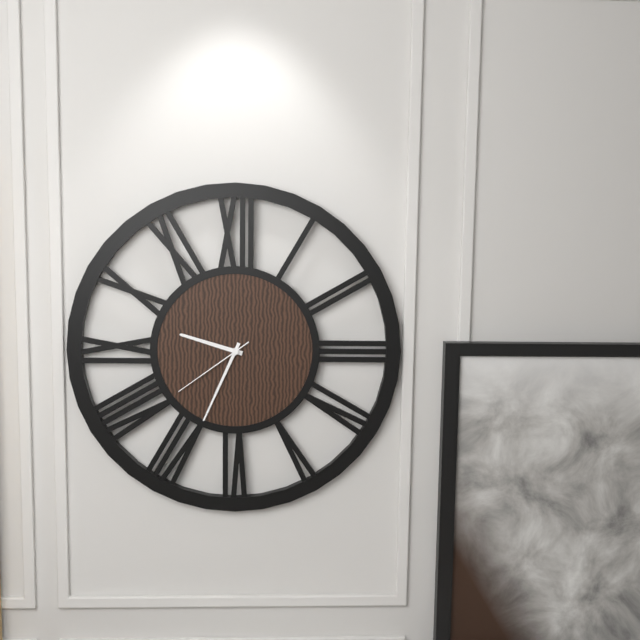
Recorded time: 9.34.39
